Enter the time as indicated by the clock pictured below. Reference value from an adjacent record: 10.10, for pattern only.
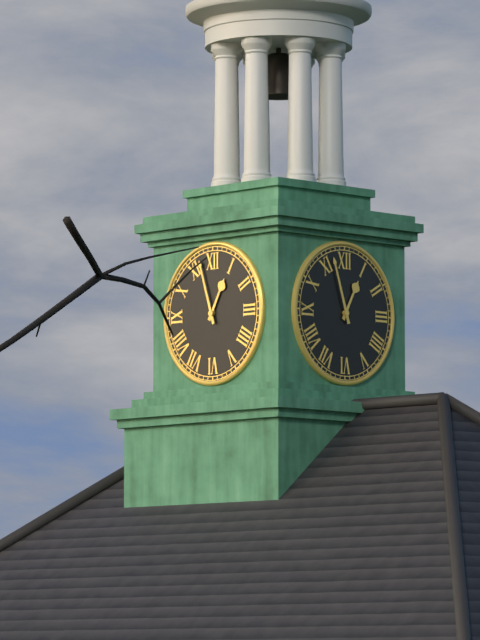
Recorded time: 12.57
